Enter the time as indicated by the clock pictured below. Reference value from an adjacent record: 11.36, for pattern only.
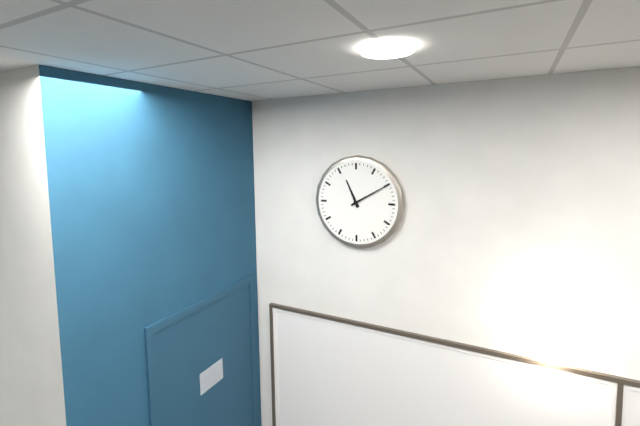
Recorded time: 11.10
